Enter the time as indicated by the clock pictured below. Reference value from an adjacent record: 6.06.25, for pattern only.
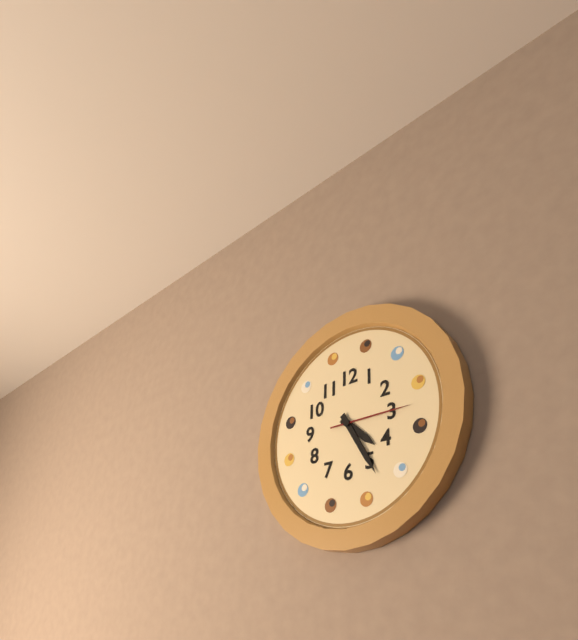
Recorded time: 4.25.15
